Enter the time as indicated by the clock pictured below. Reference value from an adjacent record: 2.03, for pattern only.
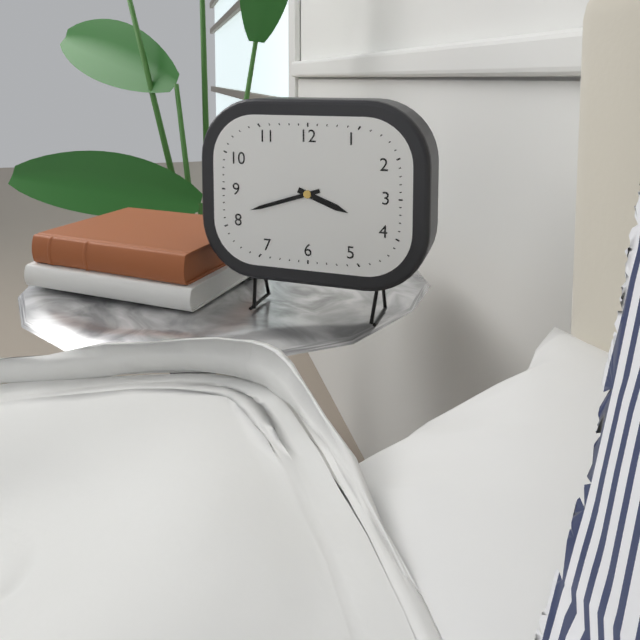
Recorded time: 3.42
